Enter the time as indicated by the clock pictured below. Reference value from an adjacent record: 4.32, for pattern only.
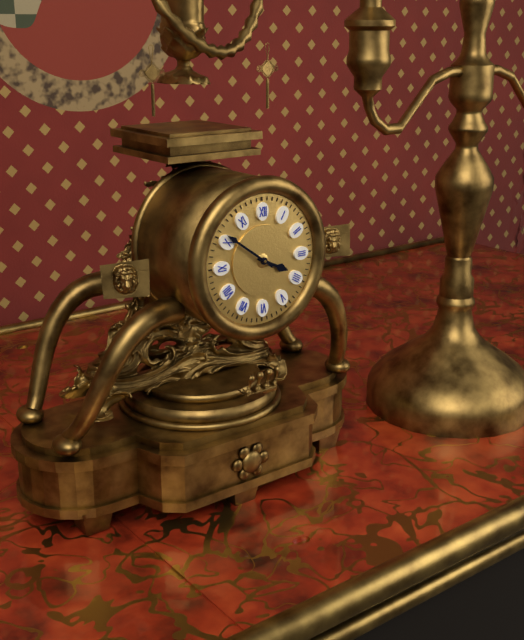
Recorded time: 3.51
